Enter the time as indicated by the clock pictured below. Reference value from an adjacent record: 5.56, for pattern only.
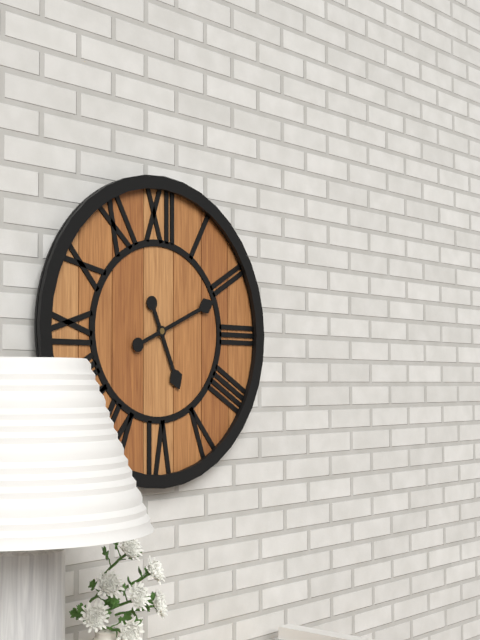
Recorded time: 5.11
